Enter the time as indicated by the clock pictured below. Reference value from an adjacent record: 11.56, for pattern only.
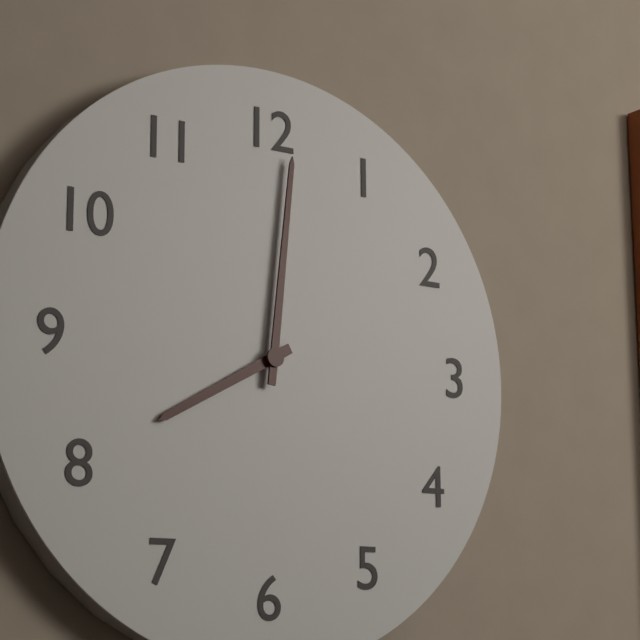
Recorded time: 8.01
